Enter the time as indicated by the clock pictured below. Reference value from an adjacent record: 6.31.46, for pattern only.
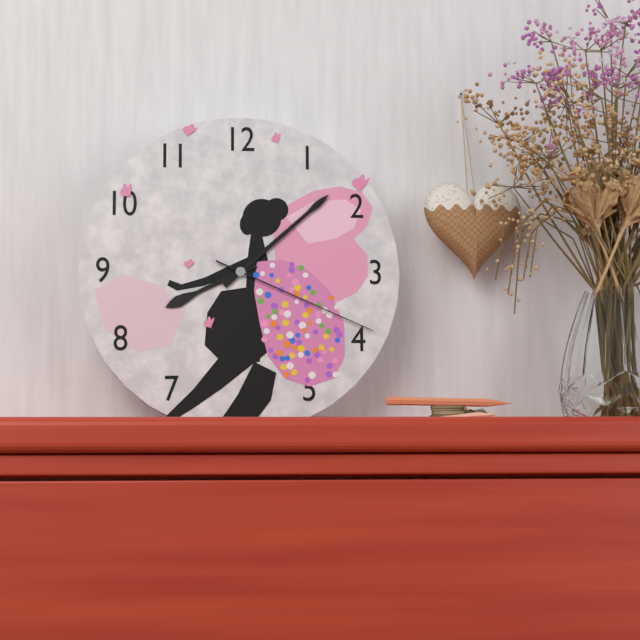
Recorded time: 8.08.19
